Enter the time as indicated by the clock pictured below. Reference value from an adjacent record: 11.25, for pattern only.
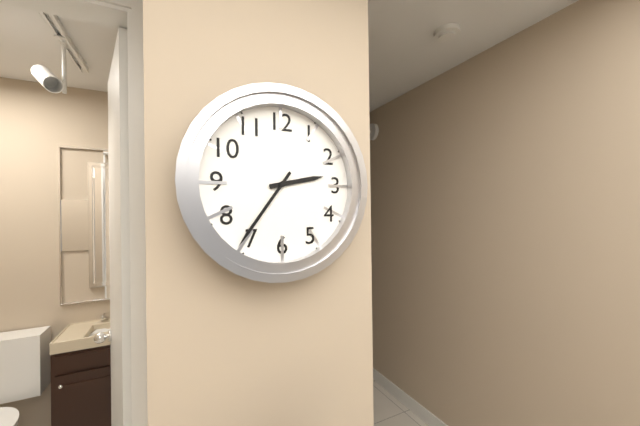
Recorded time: 2.36
